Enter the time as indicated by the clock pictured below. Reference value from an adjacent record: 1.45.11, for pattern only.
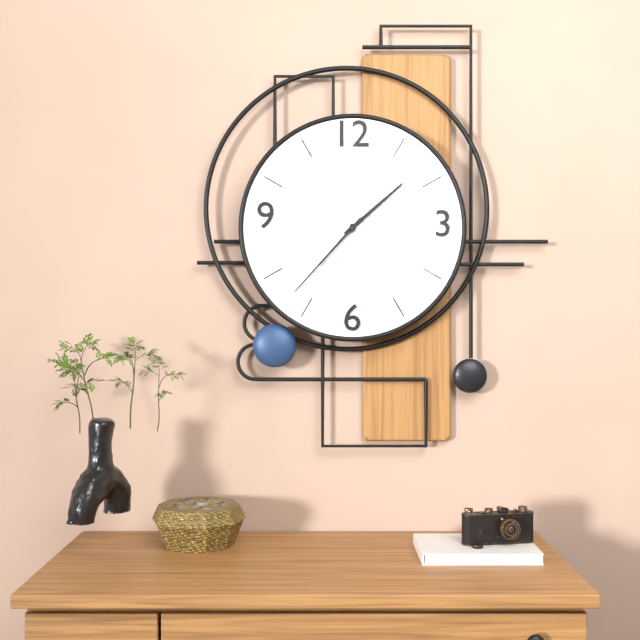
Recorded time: 1.37.20
